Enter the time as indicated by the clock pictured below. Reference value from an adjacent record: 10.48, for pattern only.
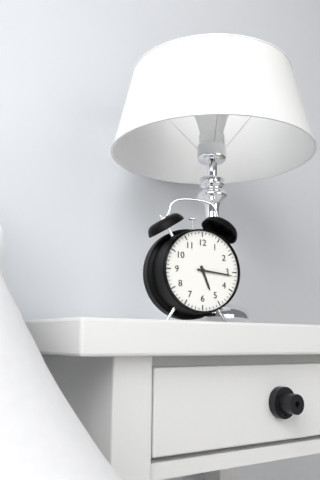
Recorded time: 5.16
